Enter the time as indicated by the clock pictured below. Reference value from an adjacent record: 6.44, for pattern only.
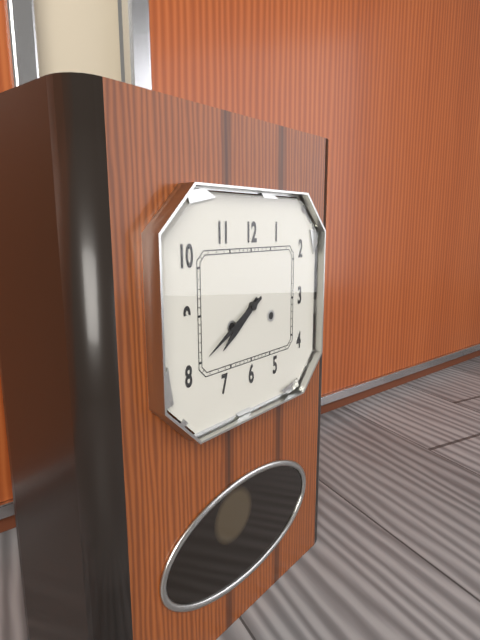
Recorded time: 7.40
